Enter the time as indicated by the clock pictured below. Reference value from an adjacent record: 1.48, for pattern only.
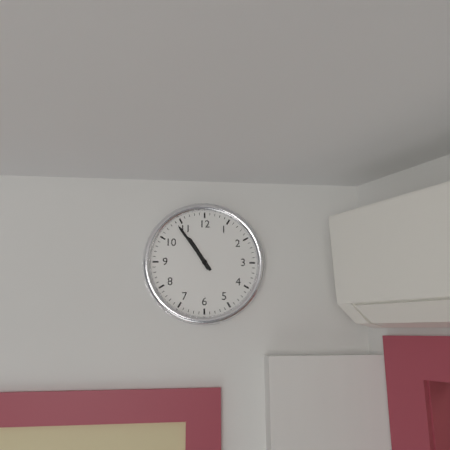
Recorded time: 10.54
